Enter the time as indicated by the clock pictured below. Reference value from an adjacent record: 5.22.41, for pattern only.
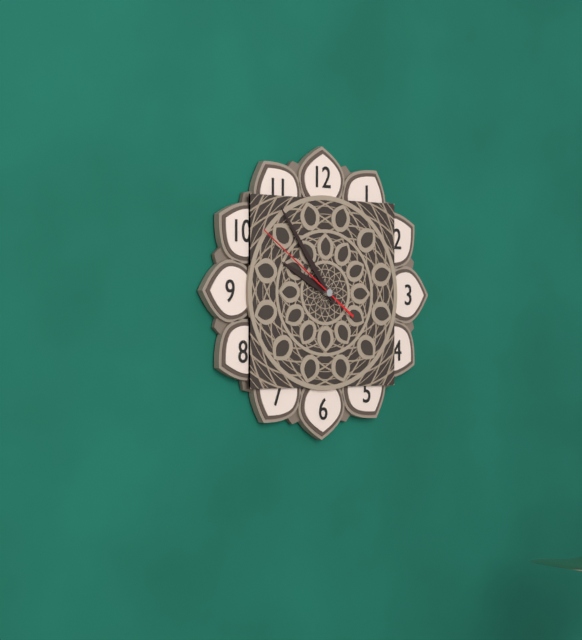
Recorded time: 9.54.51
